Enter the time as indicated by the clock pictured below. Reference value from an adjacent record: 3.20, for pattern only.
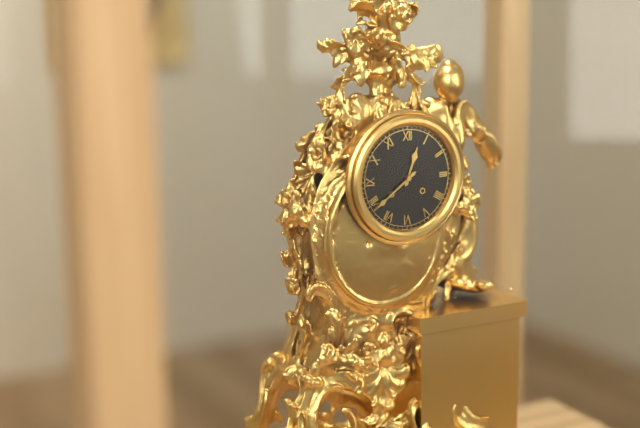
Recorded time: 12.39
